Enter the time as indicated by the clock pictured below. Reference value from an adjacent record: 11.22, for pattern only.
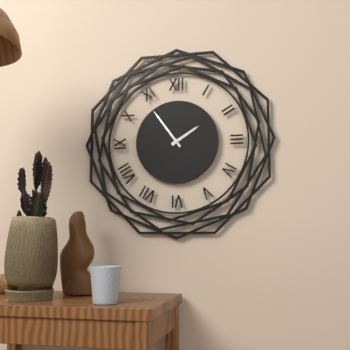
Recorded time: 1.54
